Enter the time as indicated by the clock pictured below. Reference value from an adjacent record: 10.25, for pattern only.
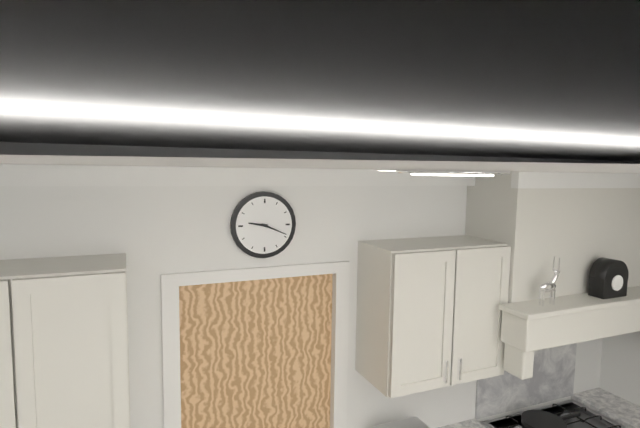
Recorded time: 9.19
